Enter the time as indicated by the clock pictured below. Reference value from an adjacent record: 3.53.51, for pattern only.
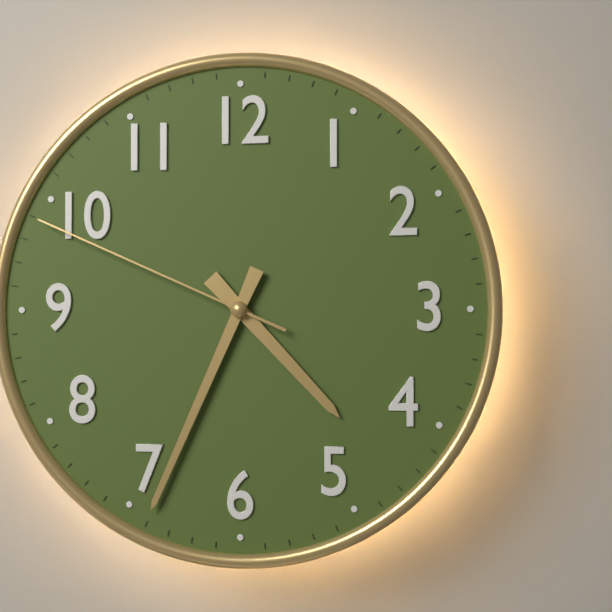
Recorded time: 4.34.49
